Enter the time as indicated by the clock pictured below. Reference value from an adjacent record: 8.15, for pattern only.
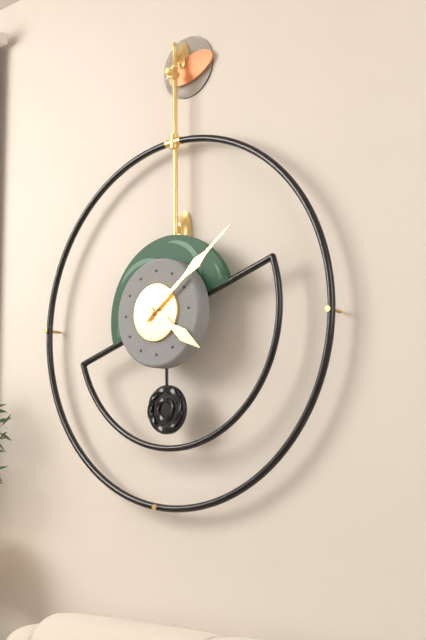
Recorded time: 4.09
